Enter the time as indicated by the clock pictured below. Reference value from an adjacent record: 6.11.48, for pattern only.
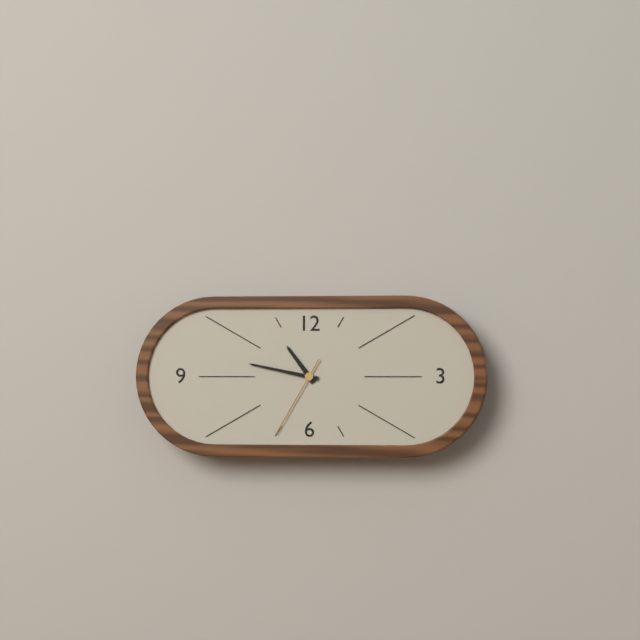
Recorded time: 10.47.35
